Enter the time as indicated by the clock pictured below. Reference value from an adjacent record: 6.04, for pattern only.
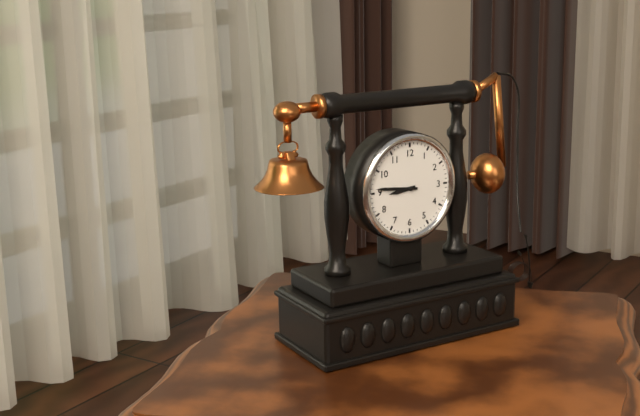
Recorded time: 8.46
